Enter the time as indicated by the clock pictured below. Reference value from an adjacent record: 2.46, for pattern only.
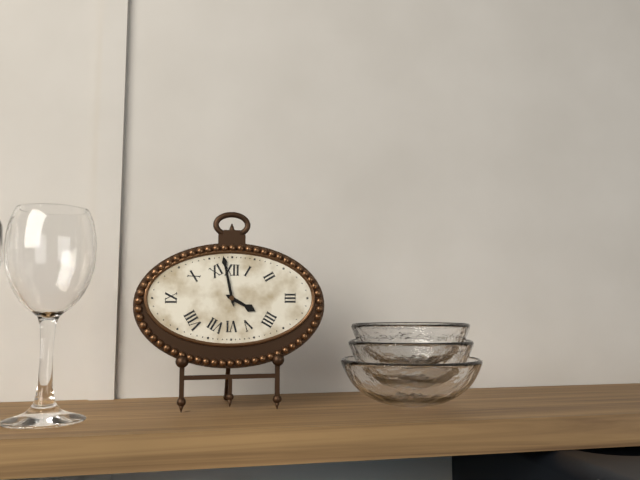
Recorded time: 3.58
